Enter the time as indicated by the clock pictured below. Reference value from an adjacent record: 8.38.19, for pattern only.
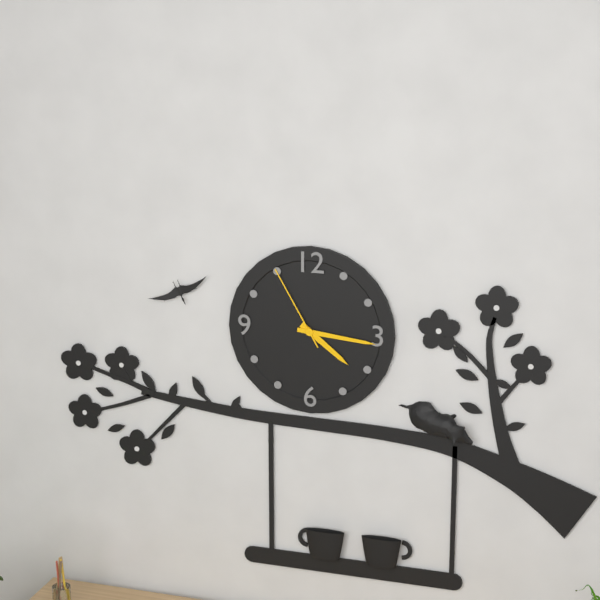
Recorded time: 4.16.55
